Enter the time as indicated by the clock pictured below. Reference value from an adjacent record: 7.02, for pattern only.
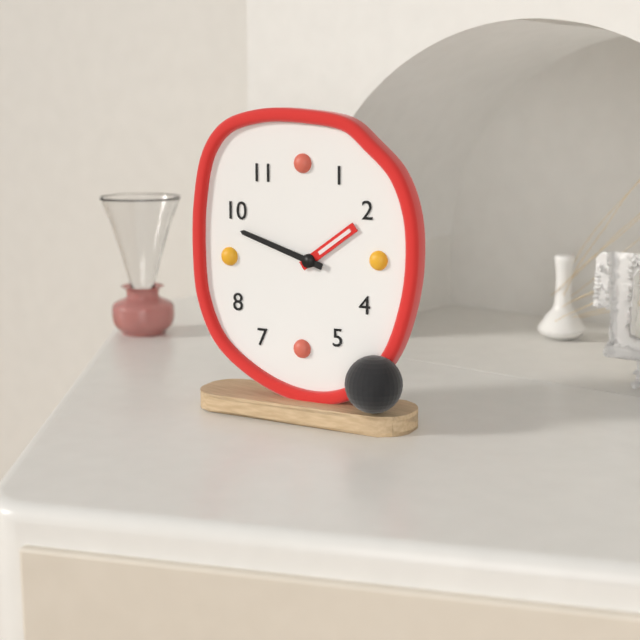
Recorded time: 1.48
